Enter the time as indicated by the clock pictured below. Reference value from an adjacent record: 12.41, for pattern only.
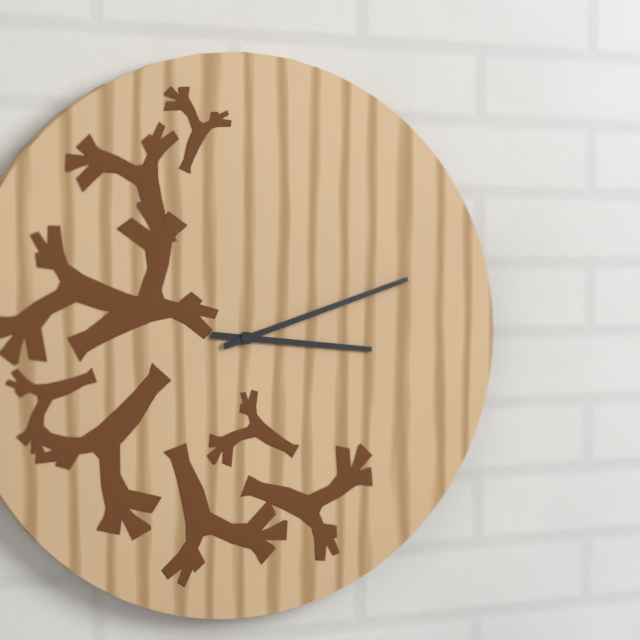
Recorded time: 3.12
